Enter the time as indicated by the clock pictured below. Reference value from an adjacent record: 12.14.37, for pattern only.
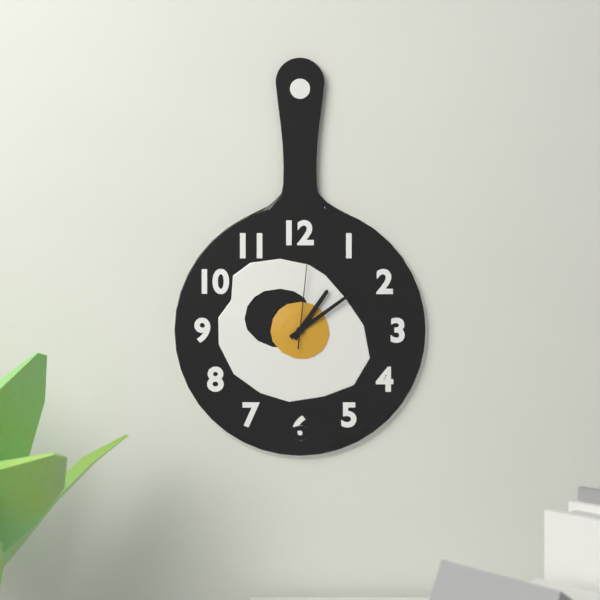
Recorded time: 1.09.01
